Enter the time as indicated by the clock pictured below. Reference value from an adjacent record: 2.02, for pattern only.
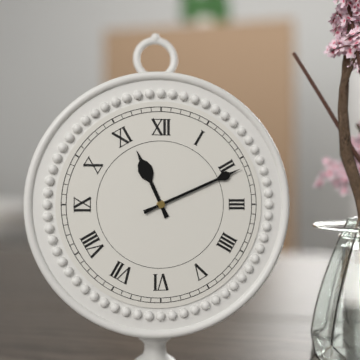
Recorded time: 11.11
